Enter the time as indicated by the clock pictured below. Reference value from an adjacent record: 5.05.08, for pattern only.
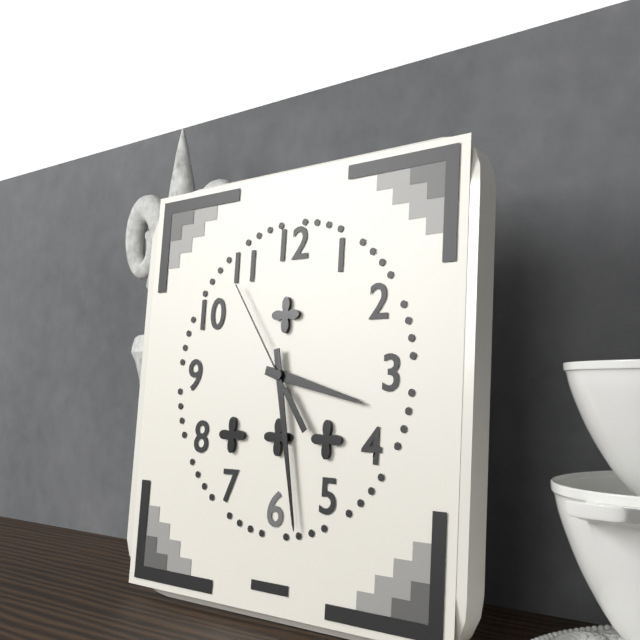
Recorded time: 3.28.54
